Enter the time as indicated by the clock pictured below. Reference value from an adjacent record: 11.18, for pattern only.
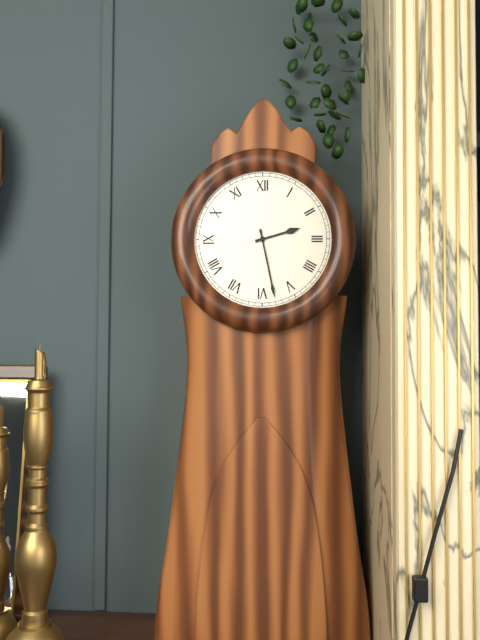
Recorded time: 2.28
